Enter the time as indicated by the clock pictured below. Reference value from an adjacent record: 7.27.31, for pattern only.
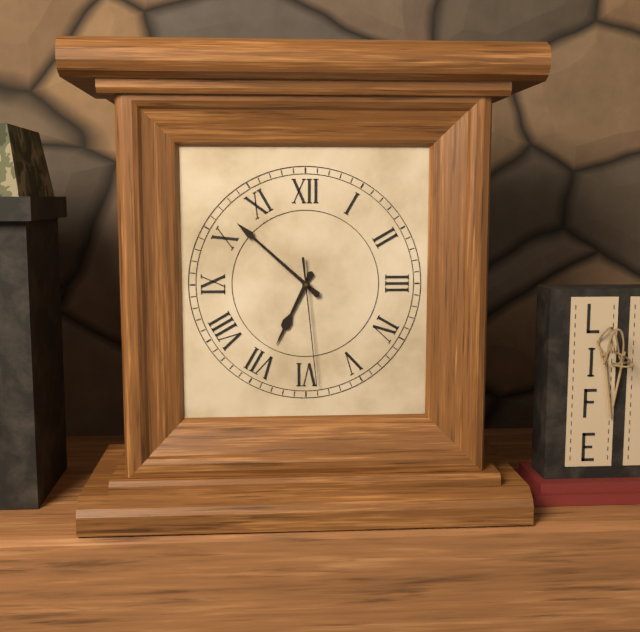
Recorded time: 6.52.29
